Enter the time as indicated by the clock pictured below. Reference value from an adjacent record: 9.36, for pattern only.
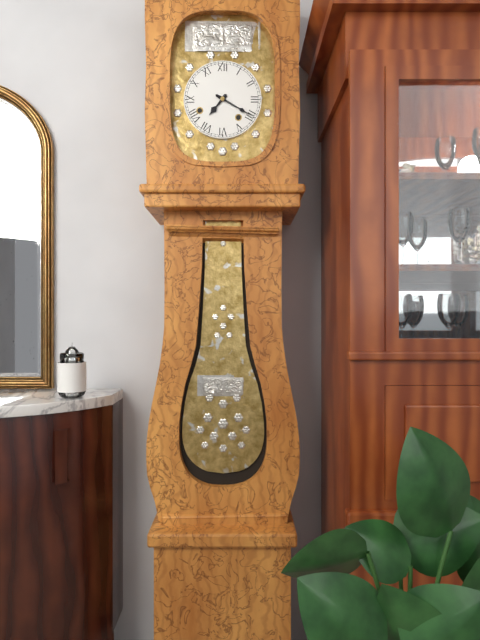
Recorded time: 7.20
